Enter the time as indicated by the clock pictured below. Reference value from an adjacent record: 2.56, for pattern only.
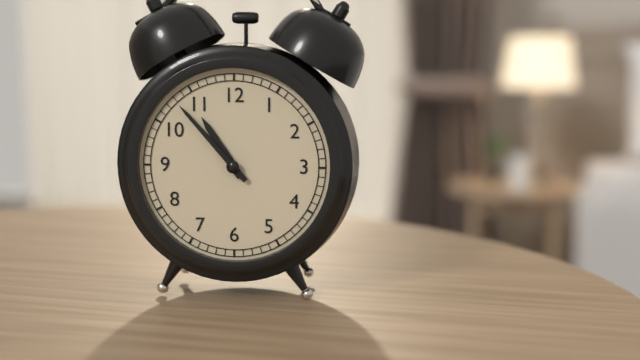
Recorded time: 10.53
